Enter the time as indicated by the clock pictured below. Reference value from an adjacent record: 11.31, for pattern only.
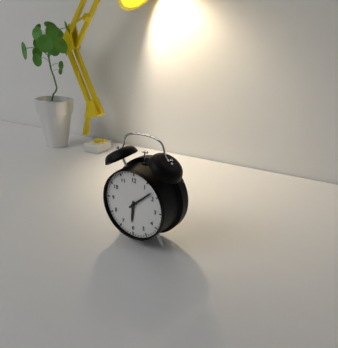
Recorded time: 6.08
